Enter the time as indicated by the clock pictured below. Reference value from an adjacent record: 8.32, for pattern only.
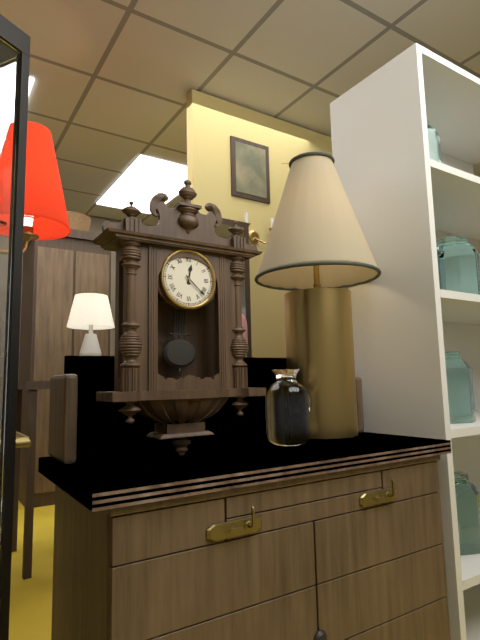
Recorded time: 12.22
